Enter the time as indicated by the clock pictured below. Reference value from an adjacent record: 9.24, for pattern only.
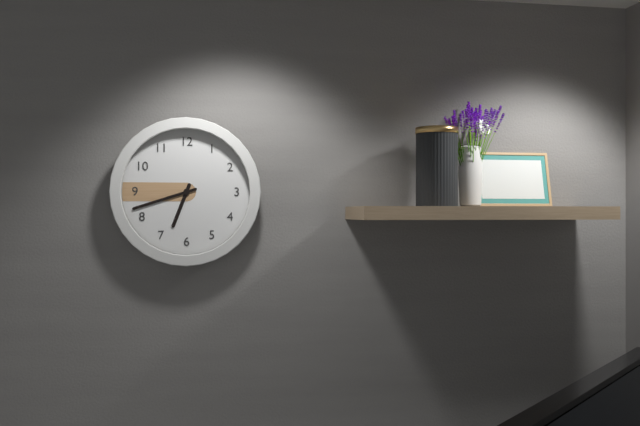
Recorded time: 6.42
